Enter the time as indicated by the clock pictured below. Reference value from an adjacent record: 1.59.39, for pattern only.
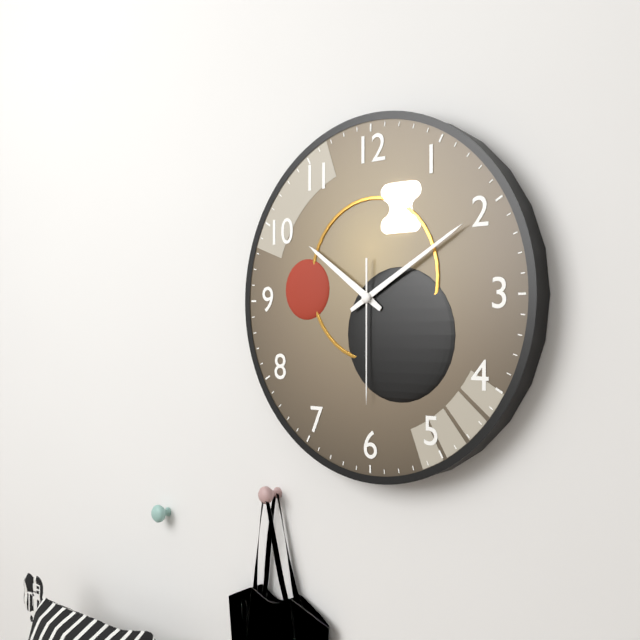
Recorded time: 10.10.30
